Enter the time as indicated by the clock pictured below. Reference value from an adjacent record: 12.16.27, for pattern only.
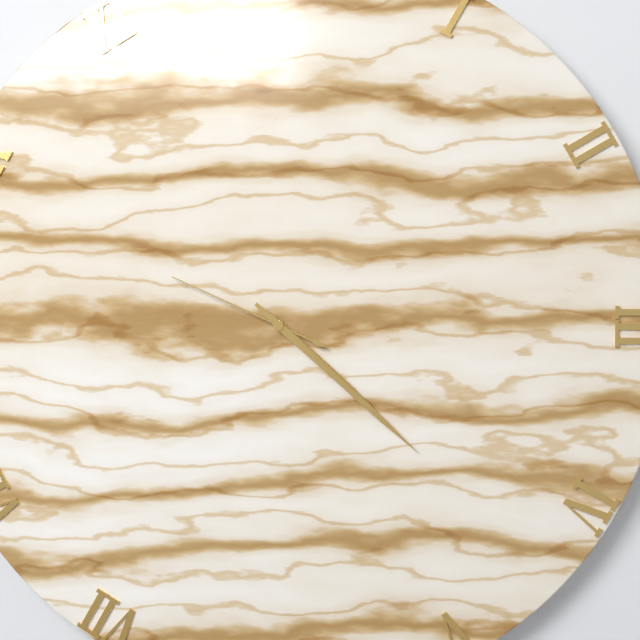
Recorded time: 4.22.49
